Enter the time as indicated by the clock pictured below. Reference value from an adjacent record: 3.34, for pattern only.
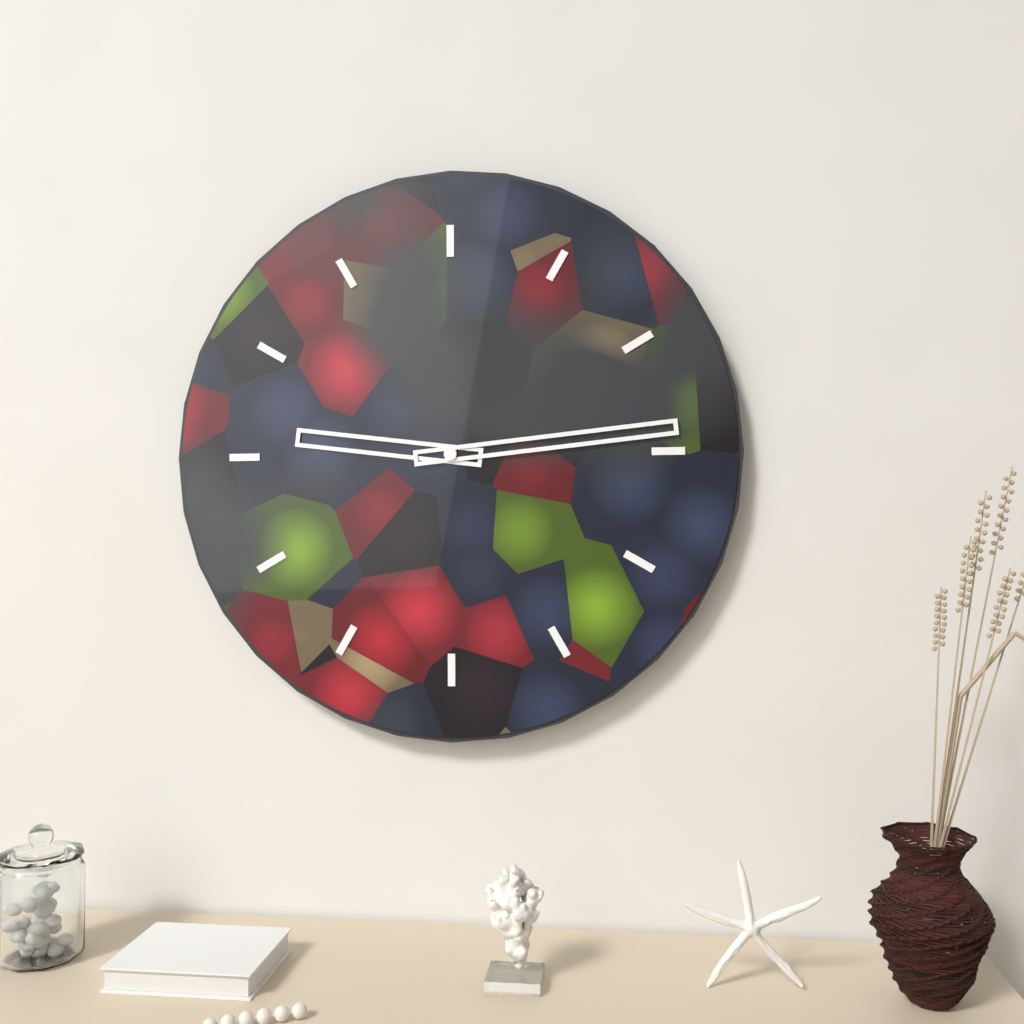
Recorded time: 9.14
